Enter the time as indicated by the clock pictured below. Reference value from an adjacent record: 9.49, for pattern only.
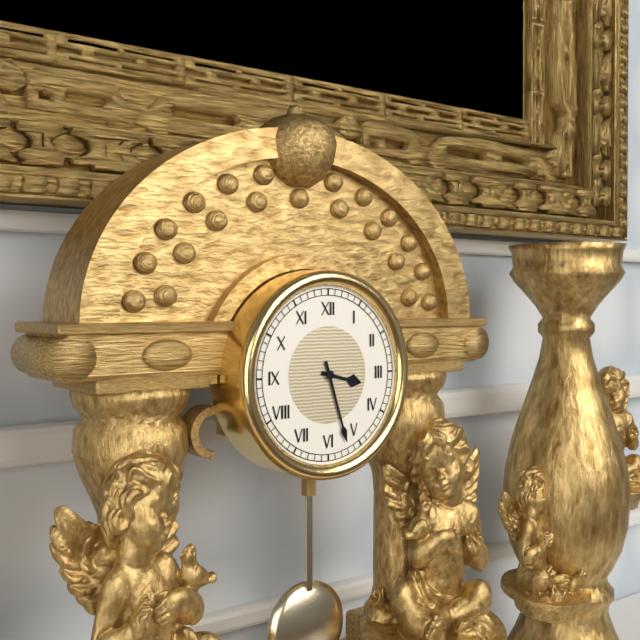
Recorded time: 3.27
